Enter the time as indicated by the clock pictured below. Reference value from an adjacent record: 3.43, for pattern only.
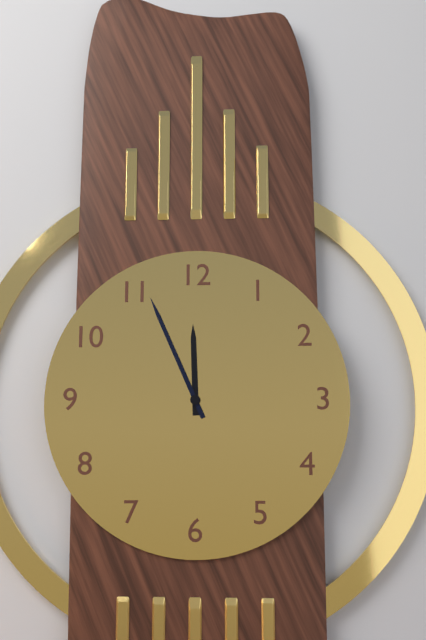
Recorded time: 11.56
